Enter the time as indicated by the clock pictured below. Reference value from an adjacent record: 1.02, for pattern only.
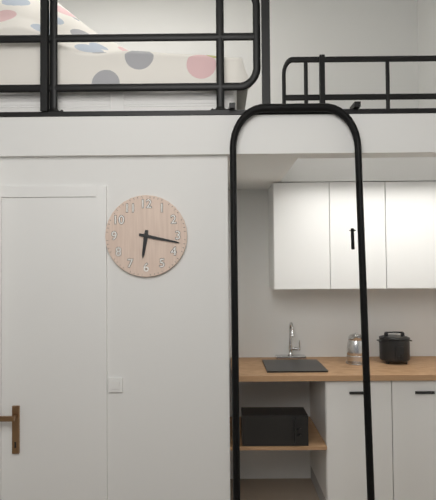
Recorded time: 6.17
